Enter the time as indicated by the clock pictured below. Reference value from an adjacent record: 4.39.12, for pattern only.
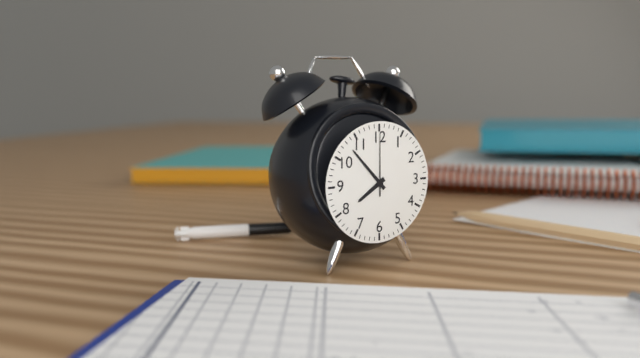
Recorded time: 7.53.00
